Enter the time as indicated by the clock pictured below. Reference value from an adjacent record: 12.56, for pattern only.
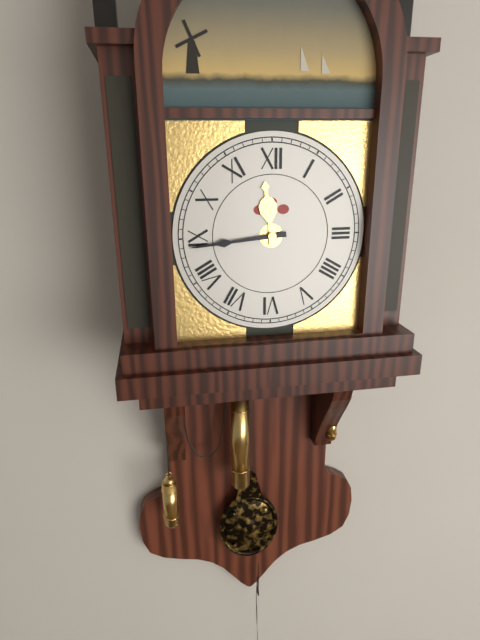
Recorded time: 11.44
